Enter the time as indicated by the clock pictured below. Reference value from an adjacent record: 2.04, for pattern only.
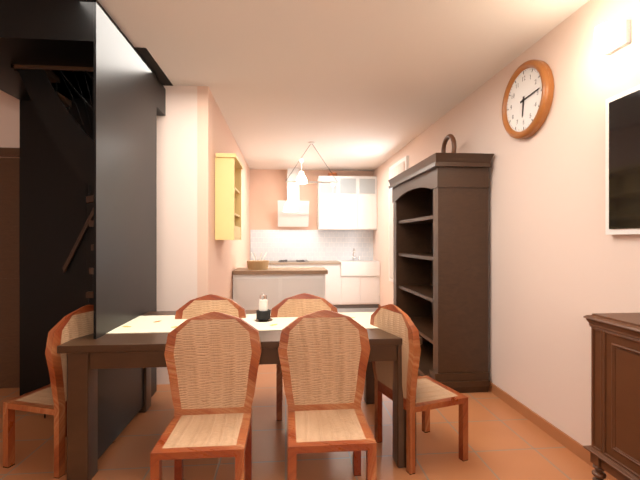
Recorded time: 6.14
